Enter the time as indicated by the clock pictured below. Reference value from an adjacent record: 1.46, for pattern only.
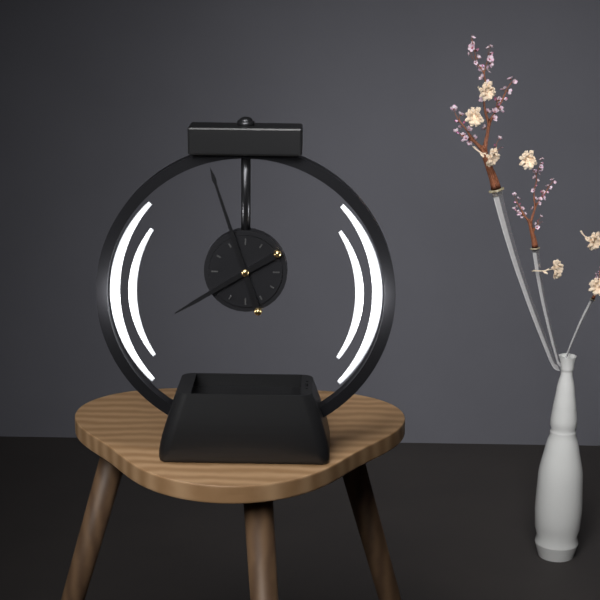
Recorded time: 7.57
